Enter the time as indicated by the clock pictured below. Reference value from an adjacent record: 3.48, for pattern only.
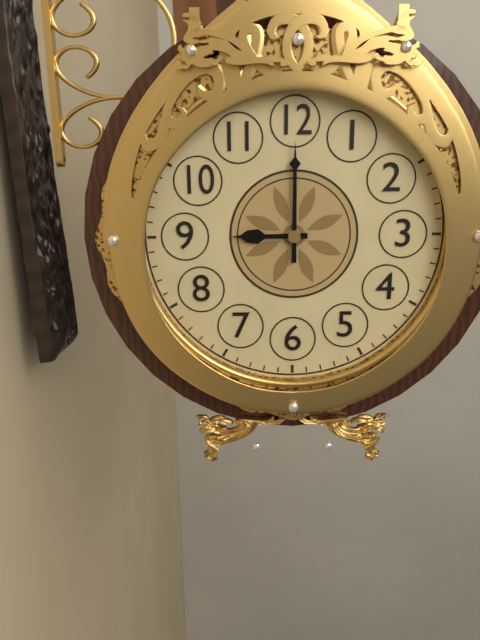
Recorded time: 9.00
